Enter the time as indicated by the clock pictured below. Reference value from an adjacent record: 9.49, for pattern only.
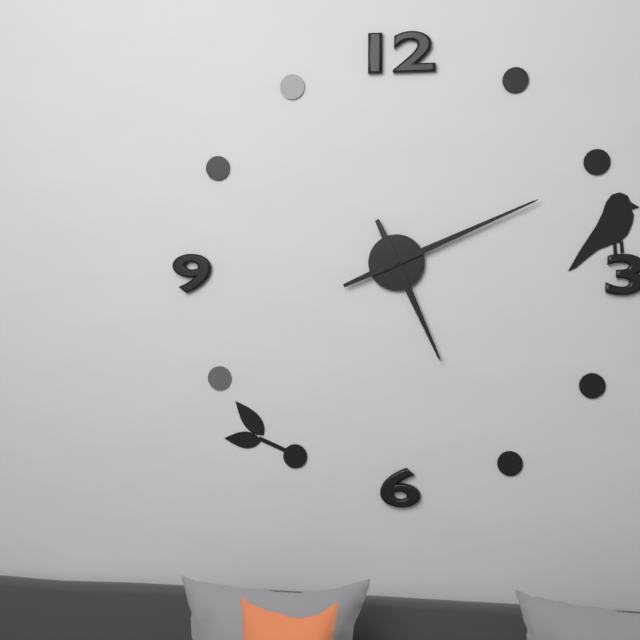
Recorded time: 5.11
